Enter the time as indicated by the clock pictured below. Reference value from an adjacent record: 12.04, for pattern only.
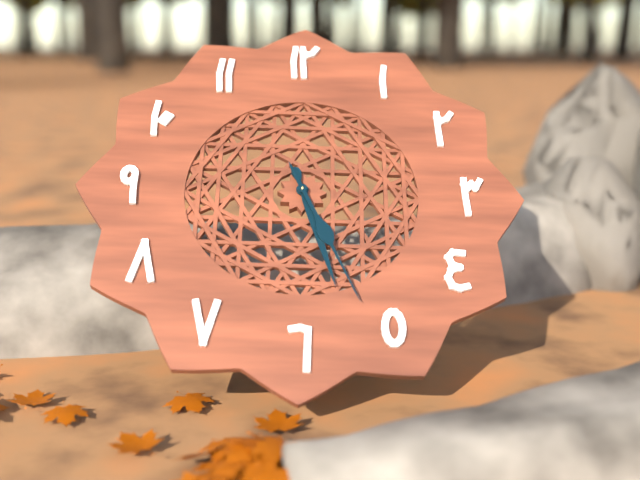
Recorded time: 5.26
